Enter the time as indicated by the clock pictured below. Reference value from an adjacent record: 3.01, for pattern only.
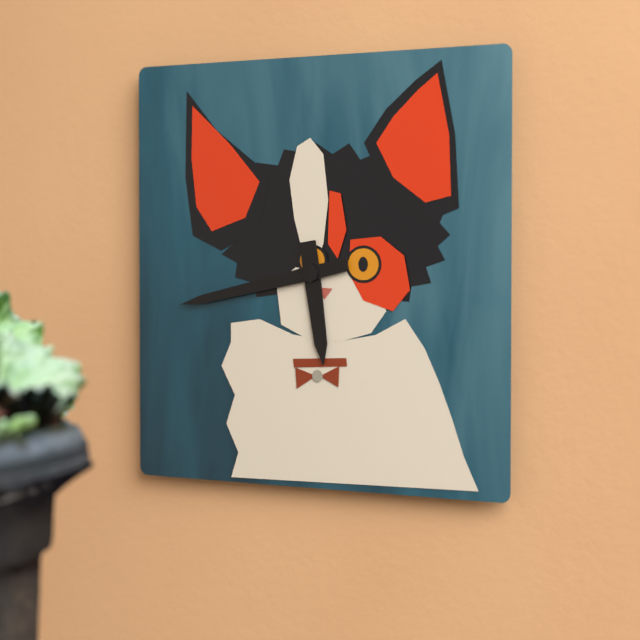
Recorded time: 5.43
